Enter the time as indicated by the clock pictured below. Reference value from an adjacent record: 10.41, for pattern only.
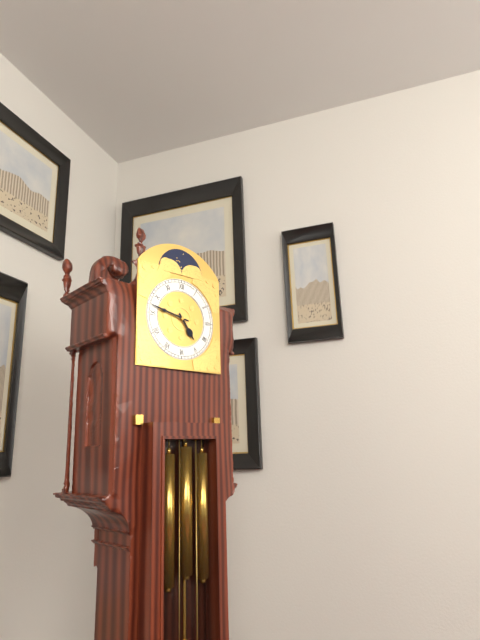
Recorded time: 4.47
